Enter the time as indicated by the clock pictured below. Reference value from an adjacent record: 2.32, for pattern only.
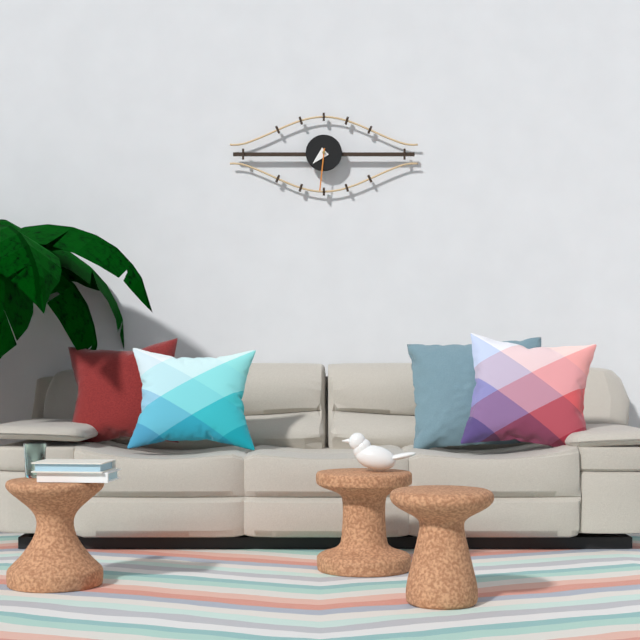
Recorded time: 7.31
